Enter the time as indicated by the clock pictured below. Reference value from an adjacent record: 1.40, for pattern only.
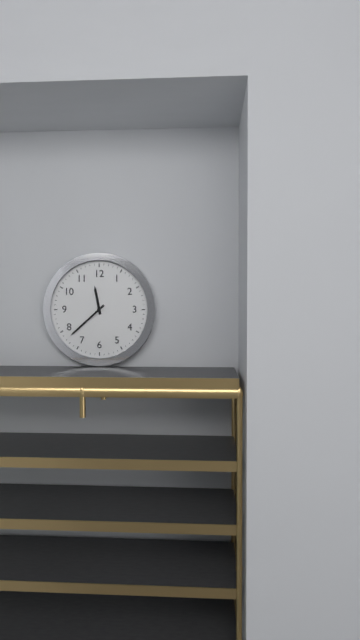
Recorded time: 11.38
